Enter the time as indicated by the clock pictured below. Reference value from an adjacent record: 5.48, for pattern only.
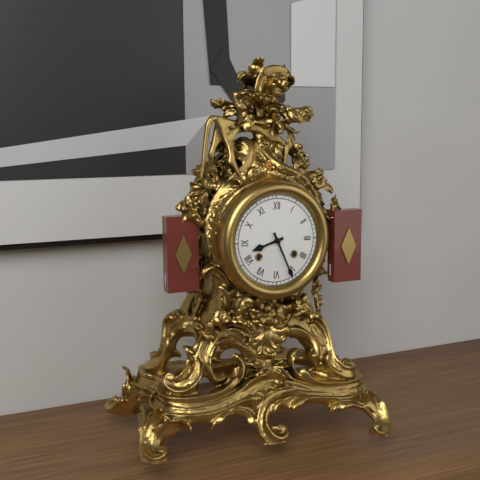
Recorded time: 8.26
